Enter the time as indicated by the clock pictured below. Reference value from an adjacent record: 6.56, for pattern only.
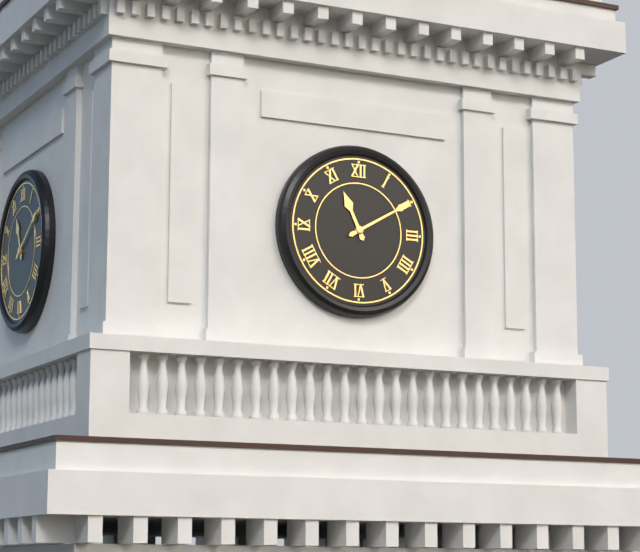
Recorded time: 11.10
